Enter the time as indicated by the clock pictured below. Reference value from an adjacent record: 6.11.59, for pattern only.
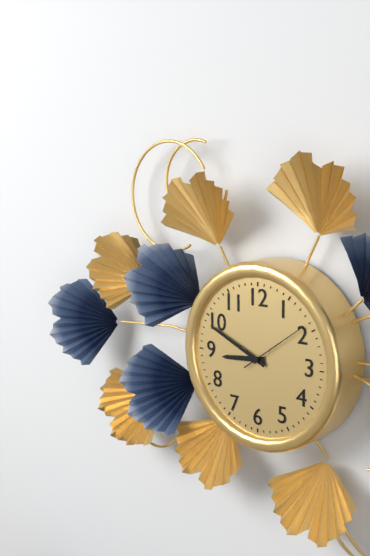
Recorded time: 8.49.09
